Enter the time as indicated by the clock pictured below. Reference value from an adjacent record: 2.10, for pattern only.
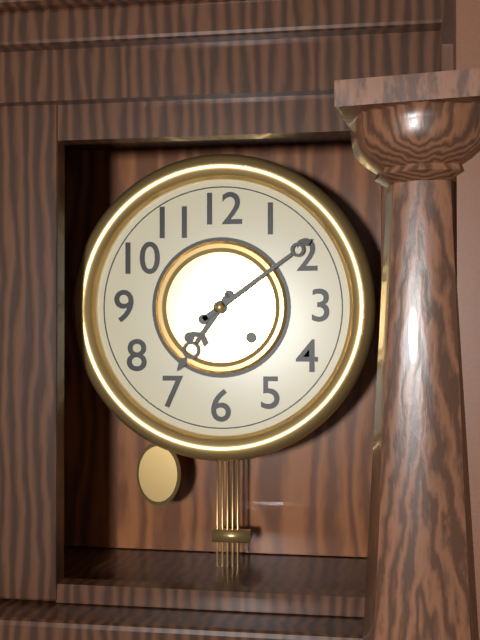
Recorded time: 7.09
